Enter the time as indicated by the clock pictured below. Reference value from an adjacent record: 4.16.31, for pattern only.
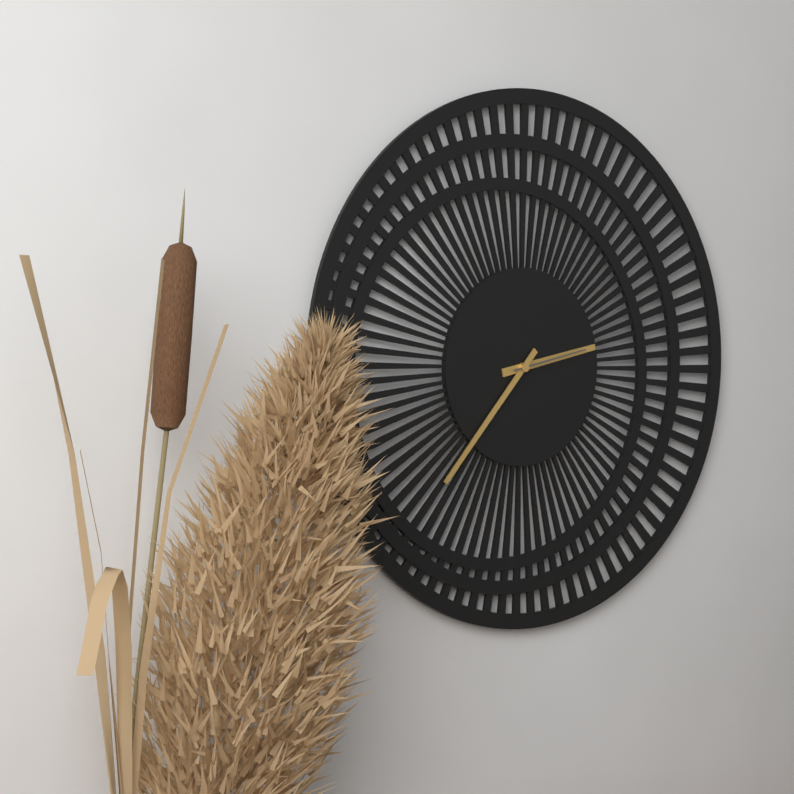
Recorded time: 2.37.13
